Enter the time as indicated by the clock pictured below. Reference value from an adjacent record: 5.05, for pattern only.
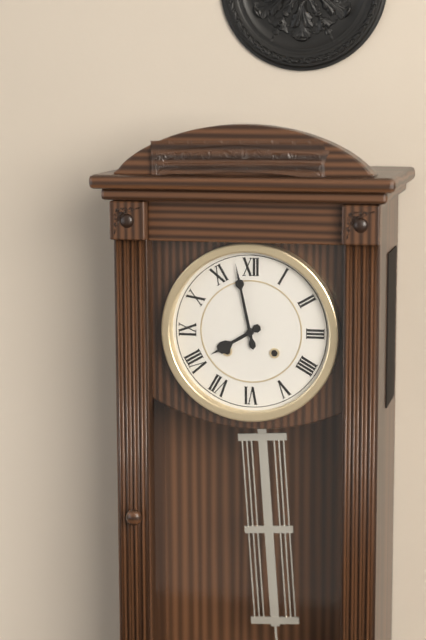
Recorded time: 7.58
